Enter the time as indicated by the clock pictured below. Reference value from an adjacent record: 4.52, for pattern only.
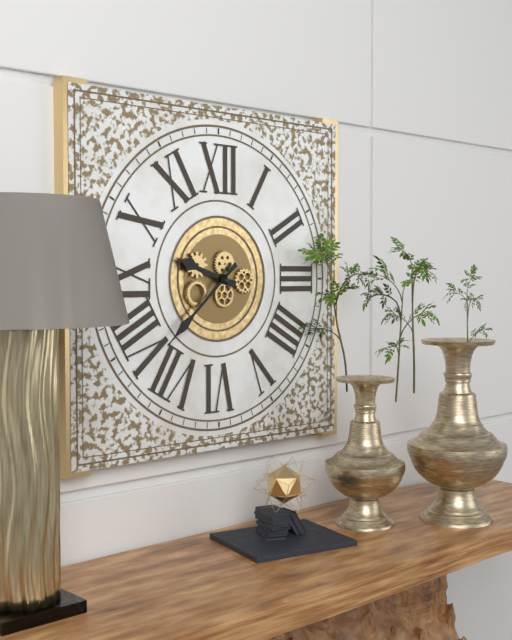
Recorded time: 9.38
